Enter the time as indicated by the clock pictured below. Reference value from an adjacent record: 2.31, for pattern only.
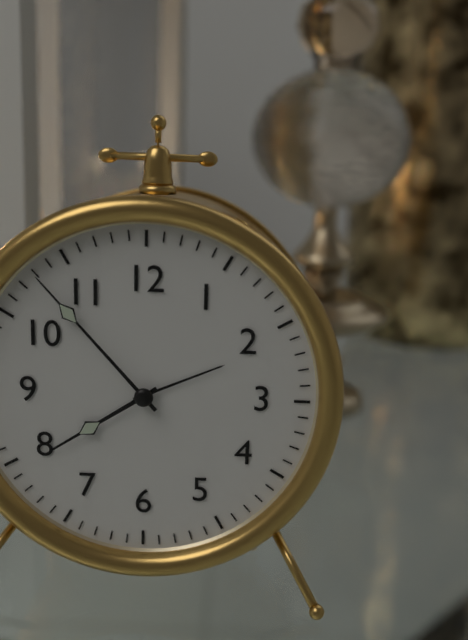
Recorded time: 7.53
